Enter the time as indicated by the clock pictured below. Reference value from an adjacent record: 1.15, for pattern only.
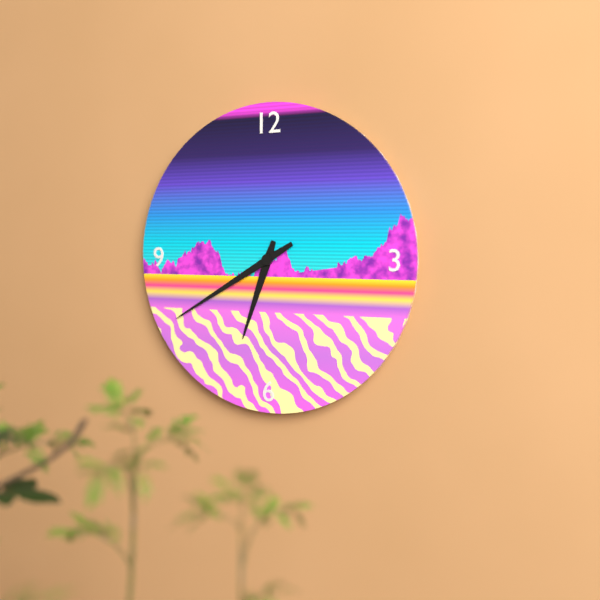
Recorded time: 6.40
